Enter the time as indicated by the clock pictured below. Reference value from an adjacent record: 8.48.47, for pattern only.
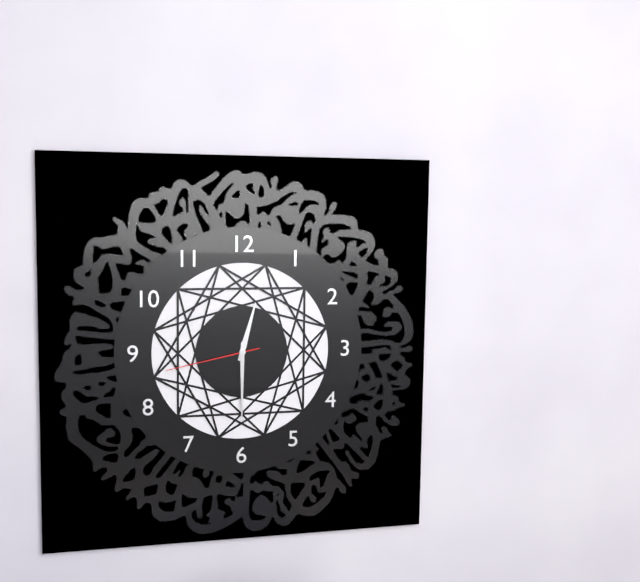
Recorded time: 12.30.43
